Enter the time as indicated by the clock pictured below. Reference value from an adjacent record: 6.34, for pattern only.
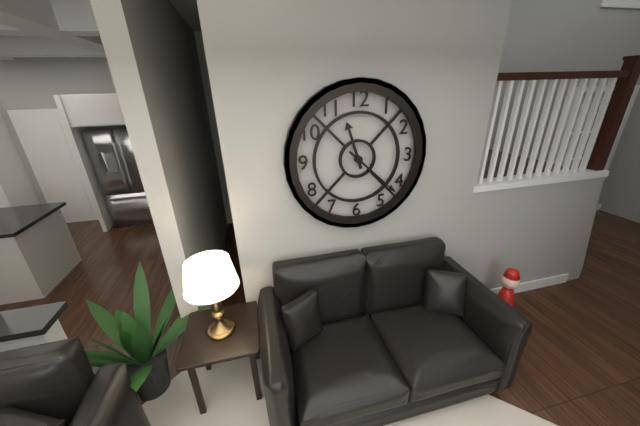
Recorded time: 11.22
